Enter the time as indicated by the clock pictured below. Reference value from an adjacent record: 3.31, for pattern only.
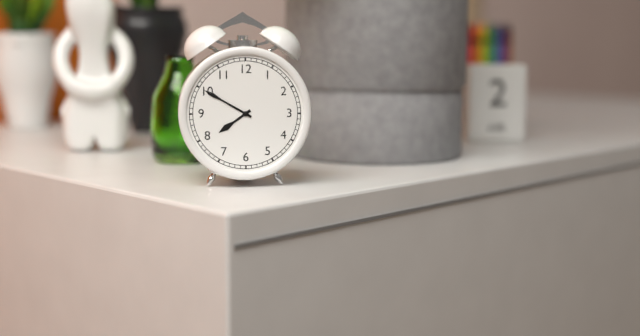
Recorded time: 7.50
